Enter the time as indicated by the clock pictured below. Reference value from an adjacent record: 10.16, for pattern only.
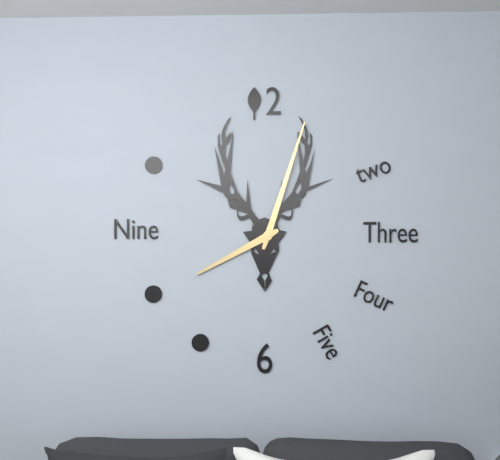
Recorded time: 8.03
